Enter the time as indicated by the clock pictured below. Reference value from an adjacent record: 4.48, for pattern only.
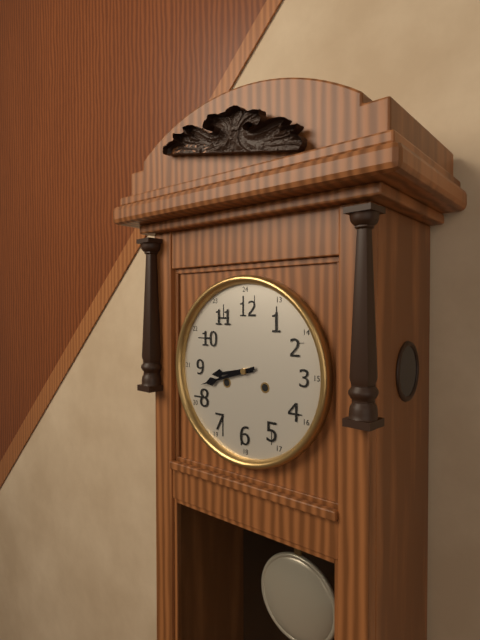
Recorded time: 8.42
